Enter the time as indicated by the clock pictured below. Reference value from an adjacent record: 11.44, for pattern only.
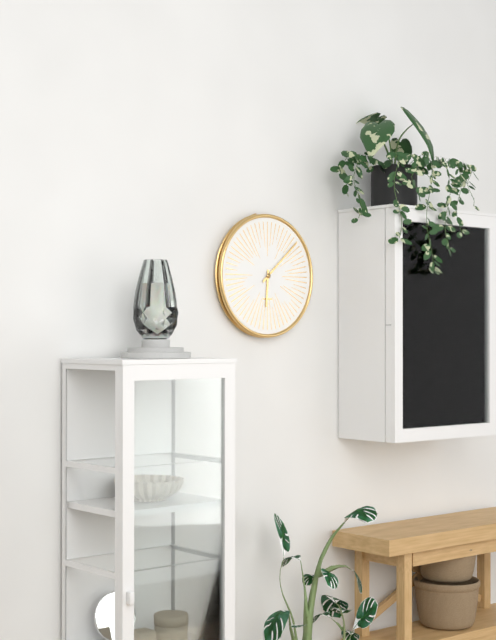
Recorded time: 6.08
